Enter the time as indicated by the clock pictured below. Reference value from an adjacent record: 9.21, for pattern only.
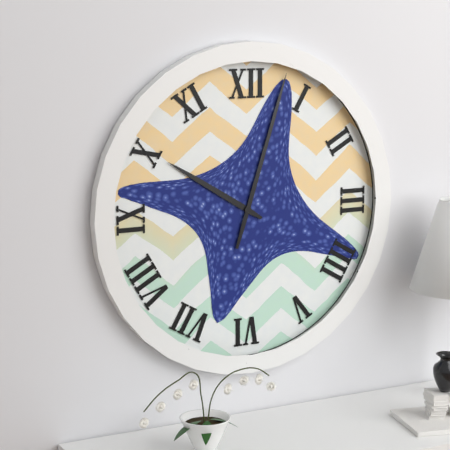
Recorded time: 10.03
